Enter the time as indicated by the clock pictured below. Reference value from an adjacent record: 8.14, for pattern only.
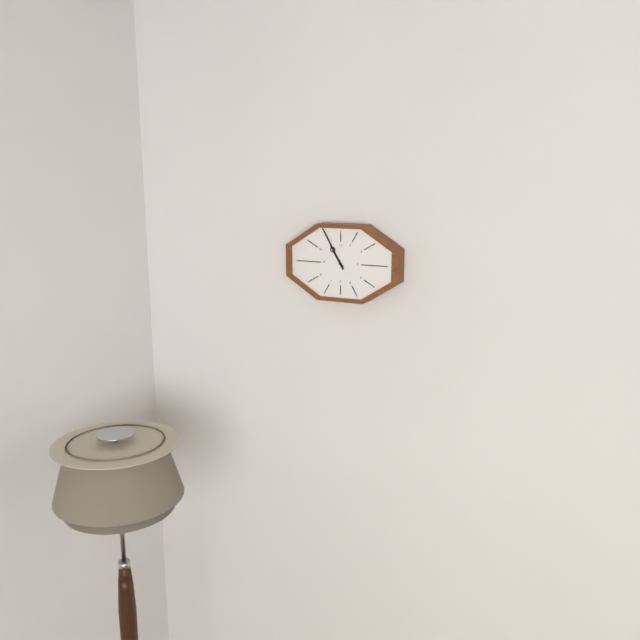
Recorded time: 10.55
